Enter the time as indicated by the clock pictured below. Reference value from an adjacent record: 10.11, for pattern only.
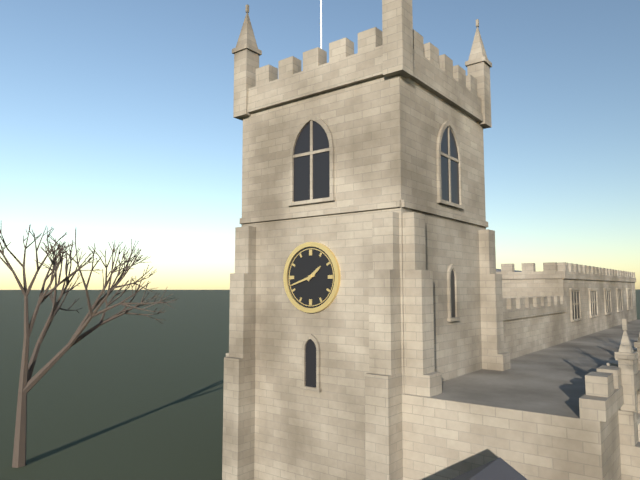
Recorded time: 1.42
